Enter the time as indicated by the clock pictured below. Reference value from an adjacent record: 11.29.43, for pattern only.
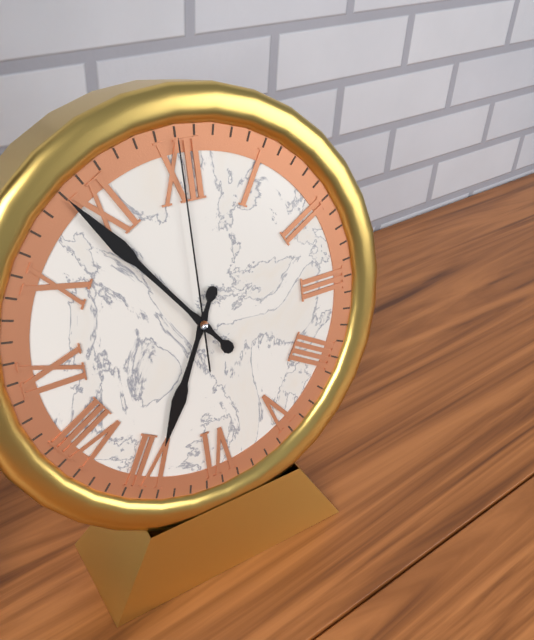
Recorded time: 6.54.00
